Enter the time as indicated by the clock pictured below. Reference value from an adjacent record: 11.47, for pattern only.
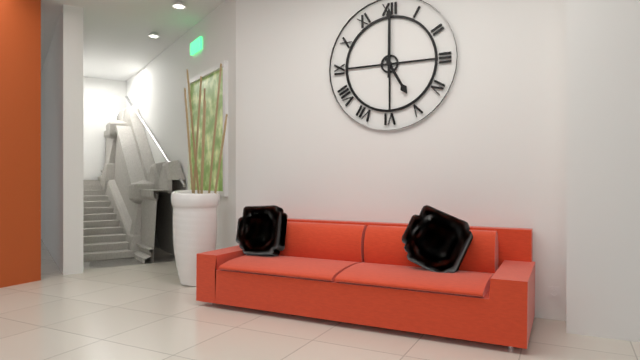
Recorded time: 5.00
